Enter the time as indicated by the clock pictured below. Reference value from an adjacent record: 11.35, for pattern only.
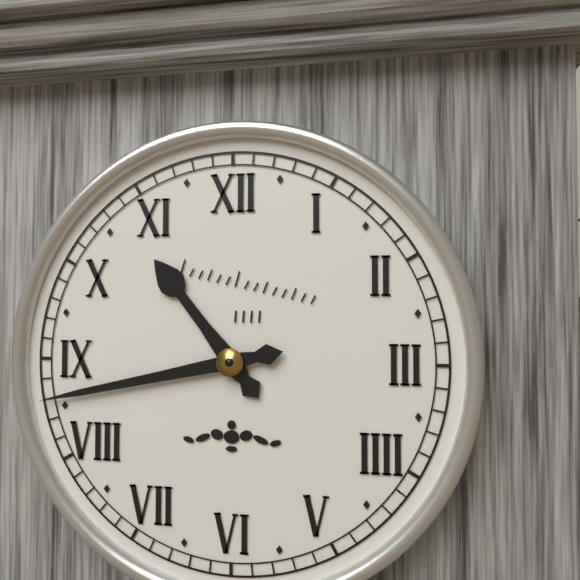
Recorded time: 10.43
